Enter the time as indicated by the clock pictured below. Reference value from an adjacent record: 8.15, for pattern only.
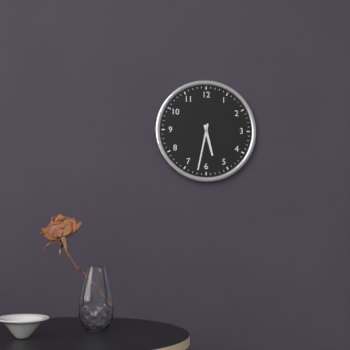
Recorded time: 5.32
